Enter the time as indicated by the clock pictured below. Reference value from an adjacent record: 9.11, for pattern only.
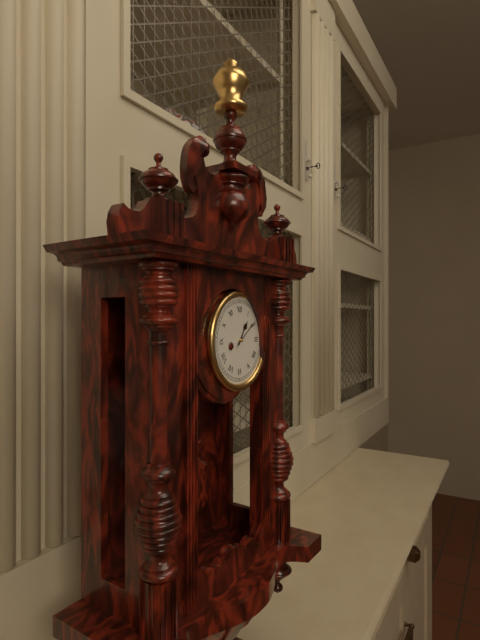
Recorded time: 1.09
